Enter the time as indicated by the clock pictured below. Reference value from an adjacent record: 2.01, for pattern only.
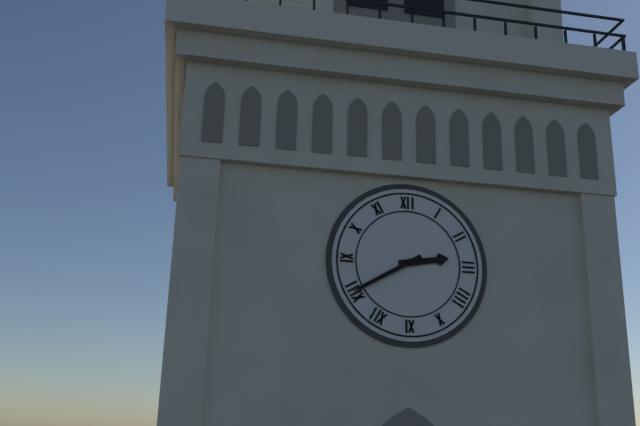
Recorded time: 2.40
